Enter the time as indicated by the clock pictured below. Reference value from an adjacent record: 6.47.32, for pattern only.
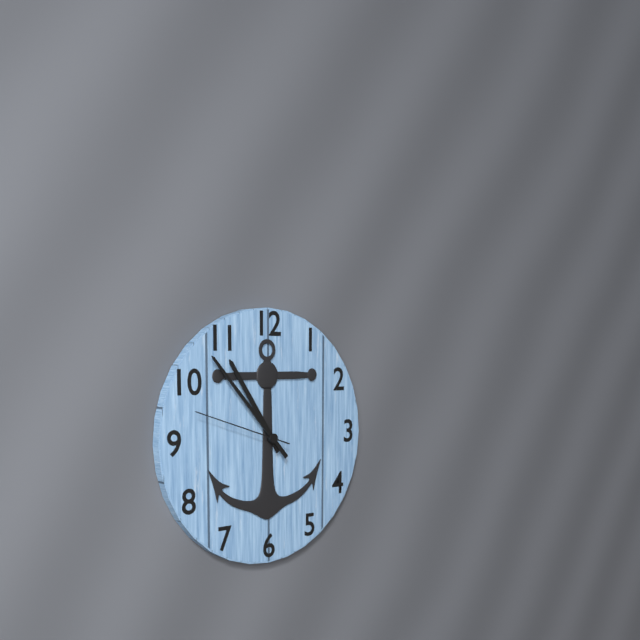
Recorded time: 10.53.48
